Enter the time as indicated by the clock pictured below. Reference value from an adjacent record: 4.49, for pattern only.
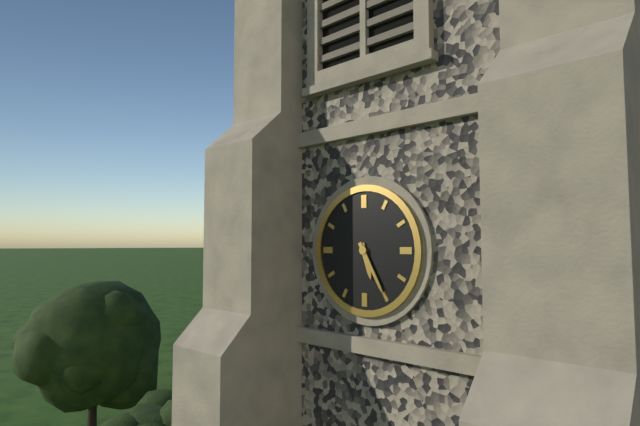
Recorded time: 5.25
